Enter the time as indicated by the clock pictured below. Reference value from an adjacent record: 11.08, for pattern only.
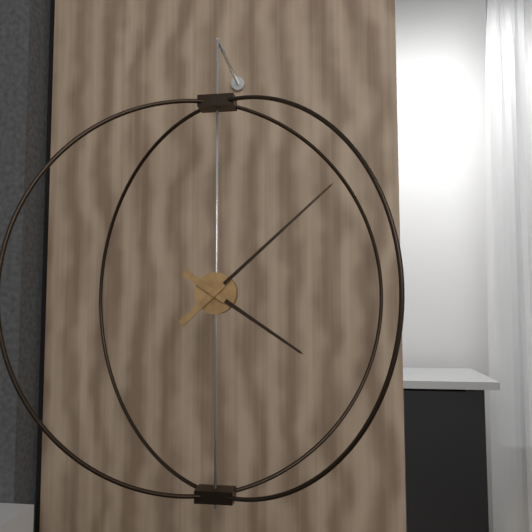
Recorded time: 4.08
